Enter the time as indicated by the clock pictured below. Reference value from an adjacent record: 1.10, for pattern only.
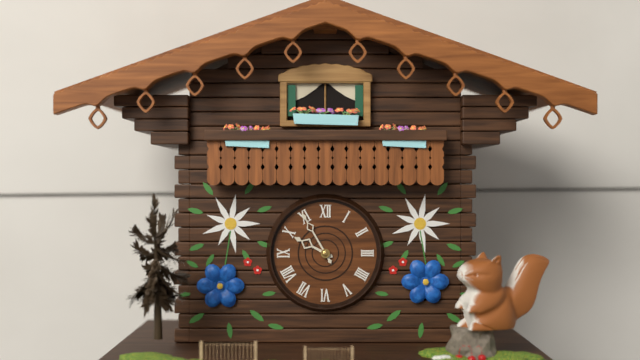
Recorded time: 9.55
